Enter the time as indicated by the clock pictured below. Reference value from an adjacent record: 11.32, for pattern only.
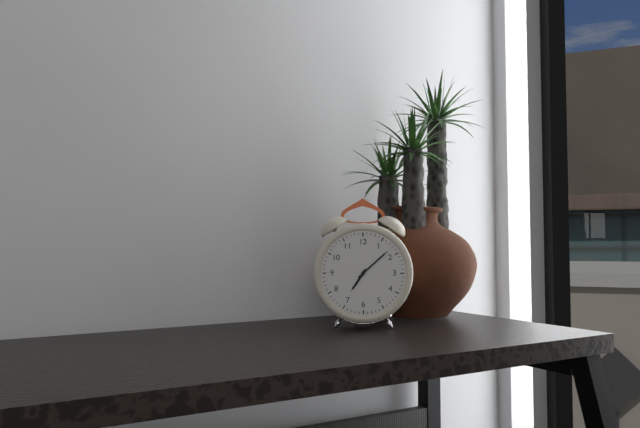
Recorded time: 7.08
